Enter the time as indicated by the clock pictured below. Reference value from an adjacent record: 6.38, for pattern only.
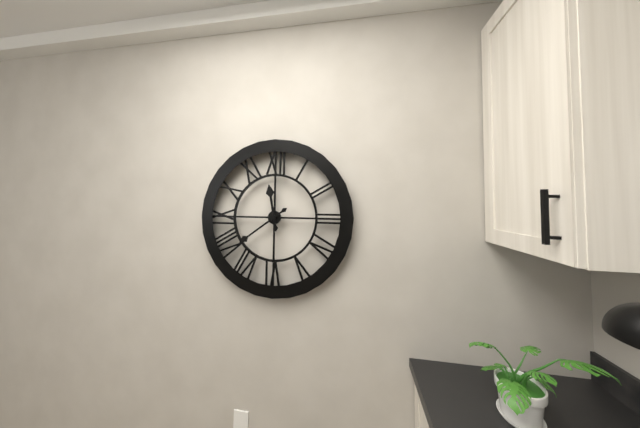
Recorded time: 11.39
